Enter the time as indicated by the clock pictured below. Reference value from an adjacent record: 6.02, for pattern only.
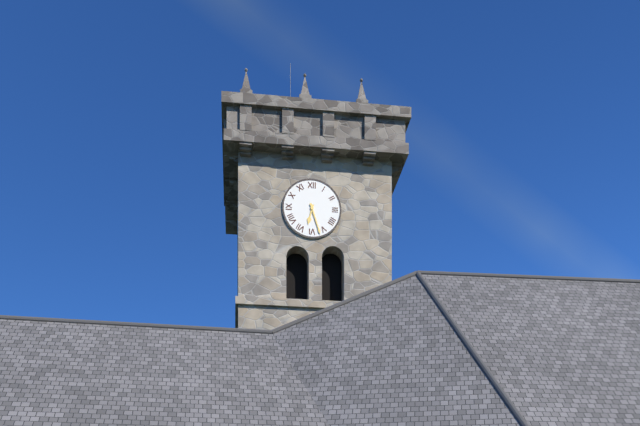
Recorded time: 6.27
